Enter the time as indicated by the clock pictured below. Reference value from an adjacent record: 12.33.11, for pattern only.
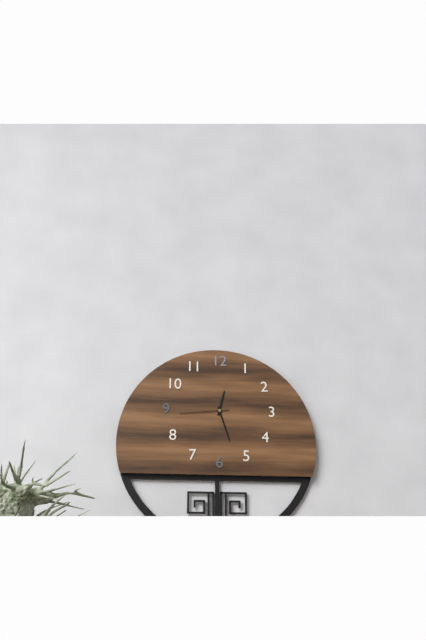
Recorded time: 12.27.44
